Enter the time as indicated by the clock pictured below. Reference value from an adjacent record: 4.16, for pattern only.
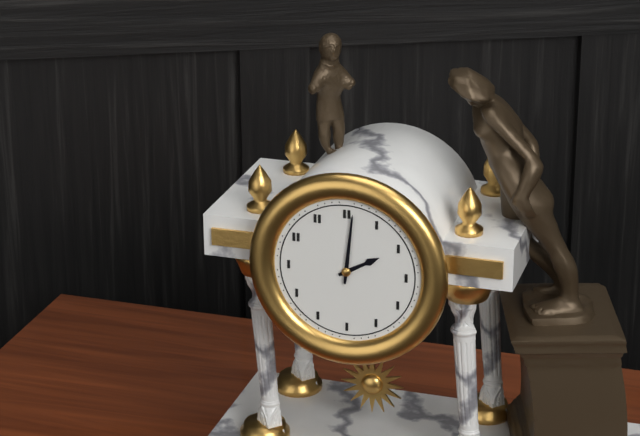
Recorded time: 2.01
